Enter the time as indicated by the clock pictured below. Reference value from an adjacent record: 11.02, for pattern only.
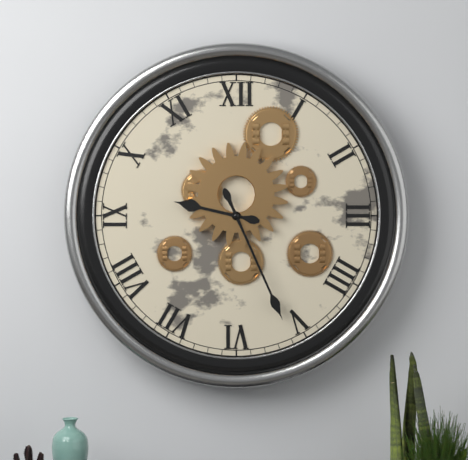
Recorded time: 9.26
